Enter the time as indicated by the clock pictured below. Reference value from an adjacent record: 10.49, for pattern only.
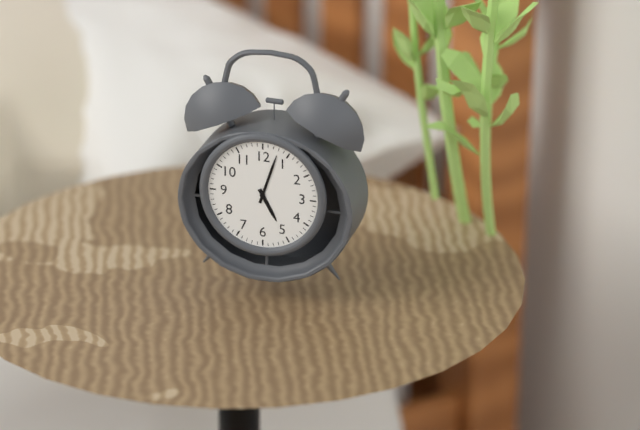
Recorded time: 5.03
